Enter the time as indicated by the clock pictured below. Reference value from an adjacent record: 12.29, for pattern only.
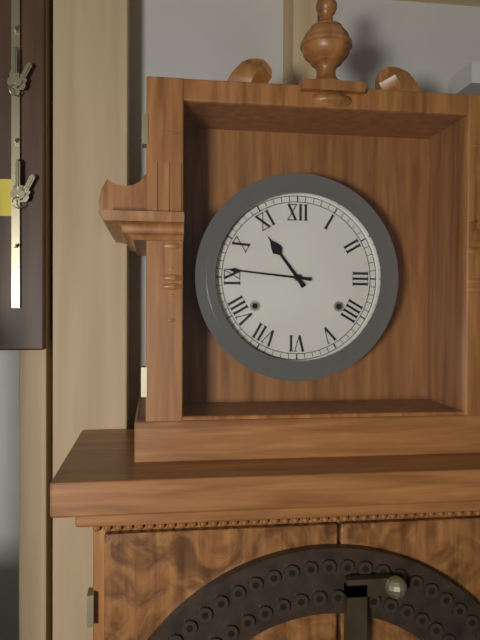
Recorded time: 10.46
